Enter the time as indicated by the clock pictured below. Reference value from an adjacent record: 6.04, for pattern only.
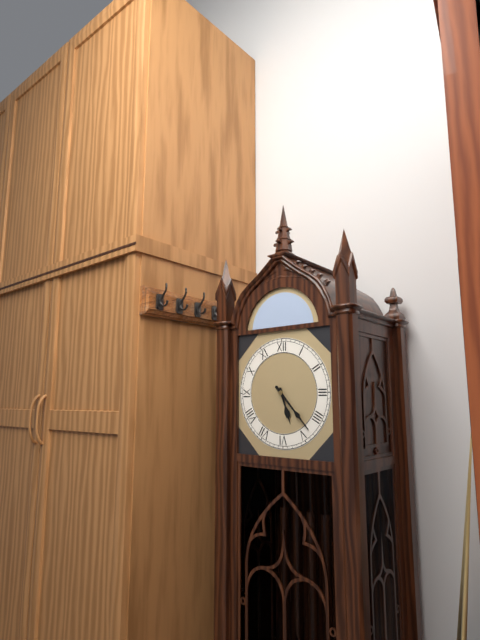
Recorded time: 5.23
